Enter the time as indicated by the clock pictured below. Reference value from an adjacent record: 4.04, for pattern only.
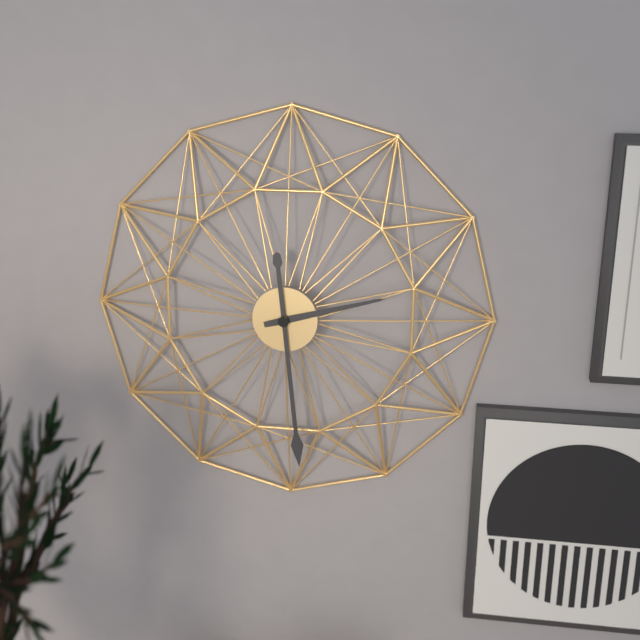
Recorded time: 2.29
